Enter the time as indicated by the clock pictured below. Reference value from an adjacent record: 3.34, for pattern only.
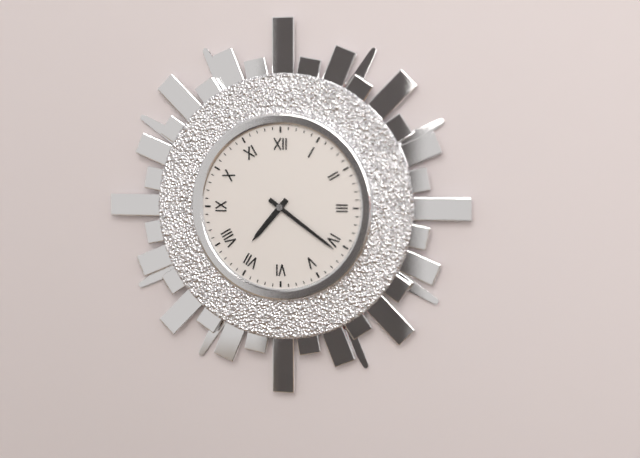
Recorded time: 7.21
